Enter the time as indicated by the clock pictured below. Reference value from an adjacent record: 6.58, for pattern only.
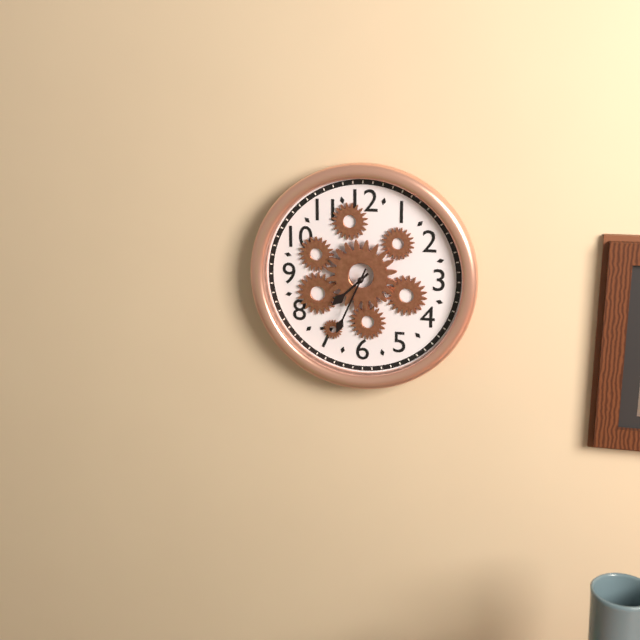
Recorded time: 7.34
